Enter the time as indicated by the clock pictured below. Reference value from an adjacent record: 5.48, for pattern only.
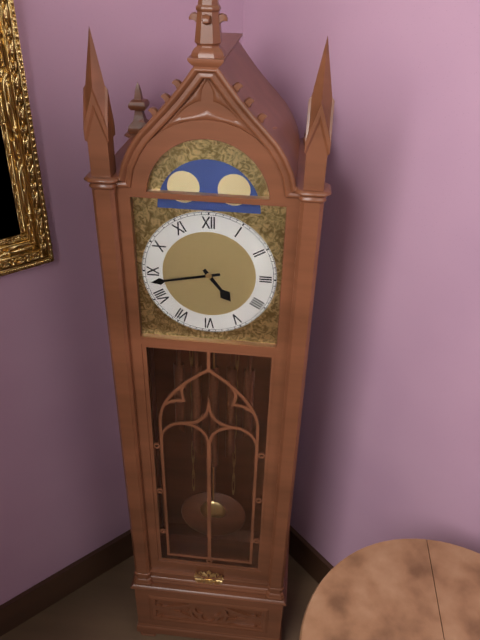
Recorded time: 4.43
